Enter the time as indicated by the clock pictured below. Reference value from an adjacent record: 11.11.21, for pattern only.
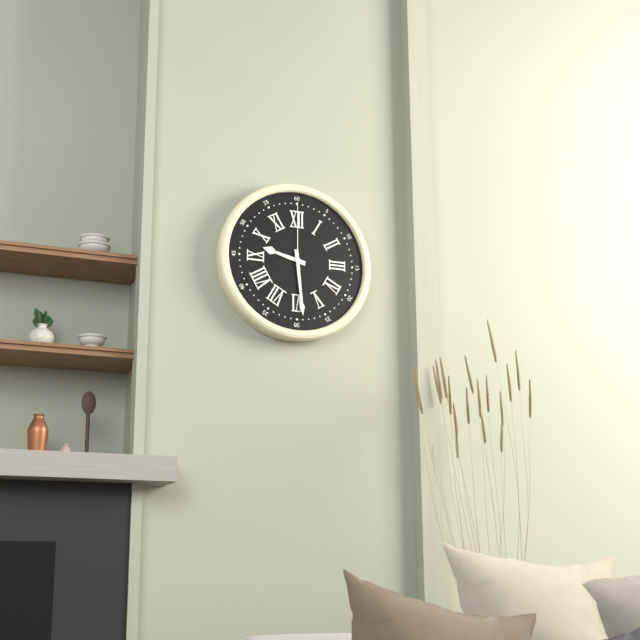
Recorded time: 9.29.00
